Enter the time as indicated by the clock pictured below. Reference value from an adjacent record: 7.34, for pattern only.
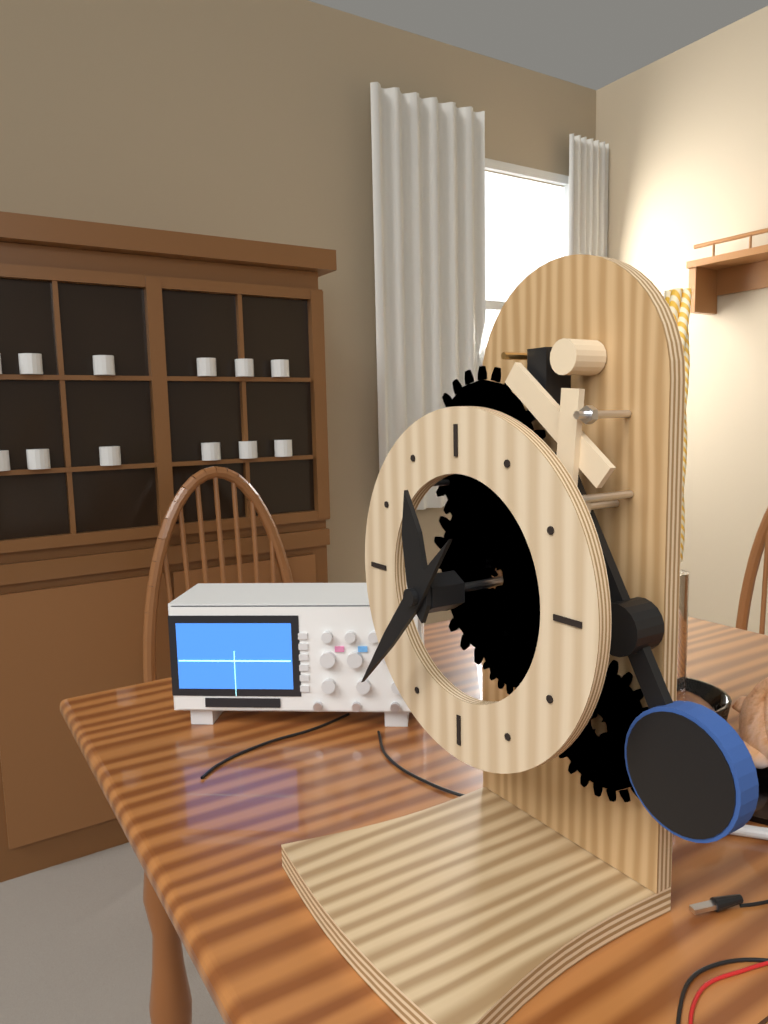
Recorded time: 11.37
